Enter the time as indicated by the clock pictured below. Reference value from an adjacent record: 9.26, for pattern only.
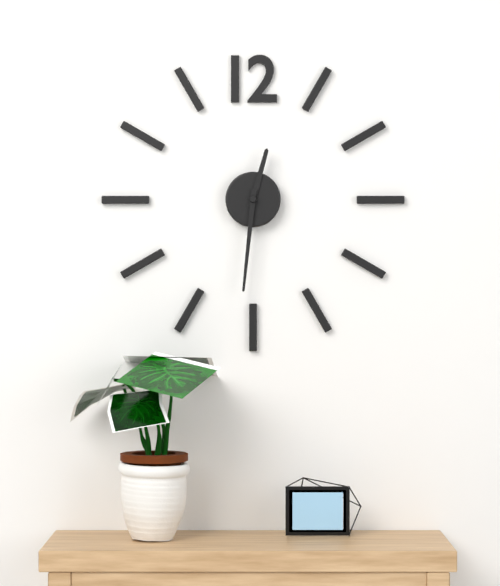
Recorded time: 12.31
